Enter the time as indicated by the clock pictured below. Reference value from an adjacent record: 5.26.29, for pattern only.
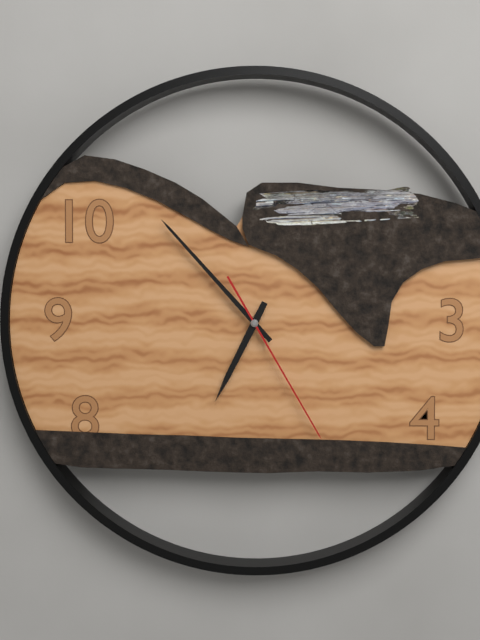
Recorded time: 6.53.25
